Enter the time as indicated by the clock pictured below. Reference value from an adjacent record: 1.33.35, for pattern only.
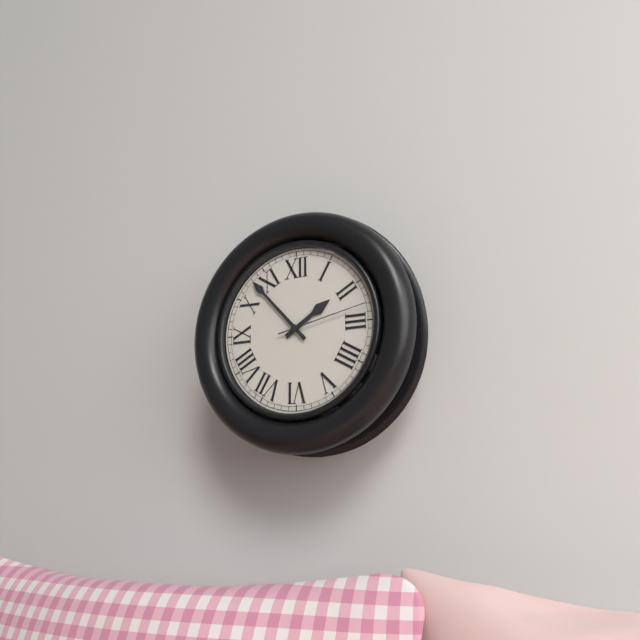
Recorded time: 1.53.13
